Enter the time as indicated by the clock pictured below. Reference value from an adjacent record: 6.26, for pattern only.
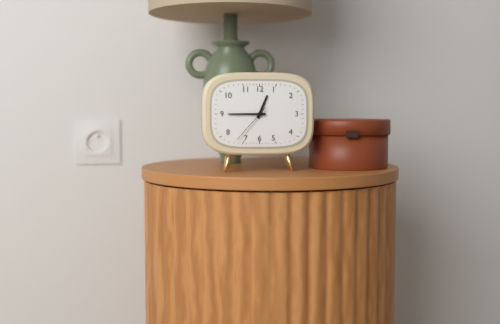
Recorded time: 12.45
